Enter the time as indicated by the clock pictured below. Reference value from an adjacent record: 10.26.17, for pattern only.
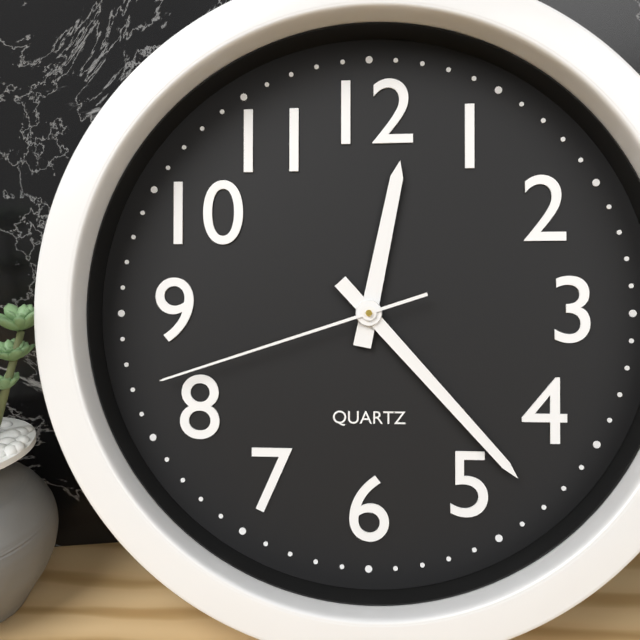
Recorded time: 12.23.42
